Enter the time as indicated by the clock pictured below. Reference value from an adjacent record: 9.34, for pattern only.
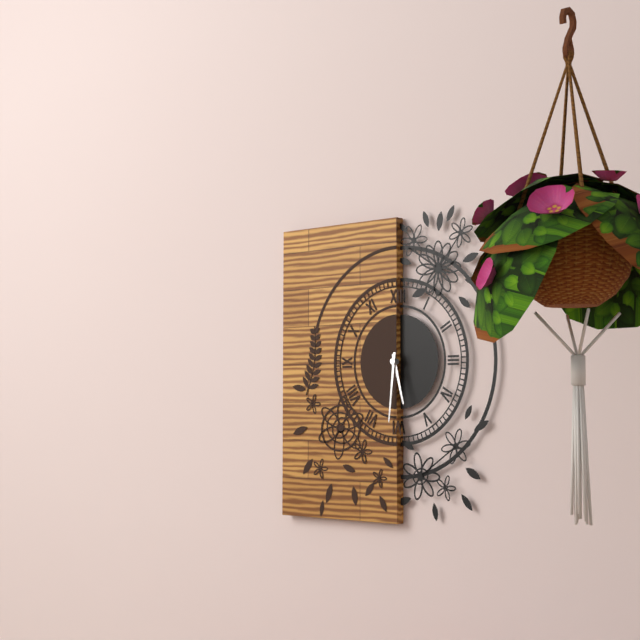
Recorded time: 5.31
